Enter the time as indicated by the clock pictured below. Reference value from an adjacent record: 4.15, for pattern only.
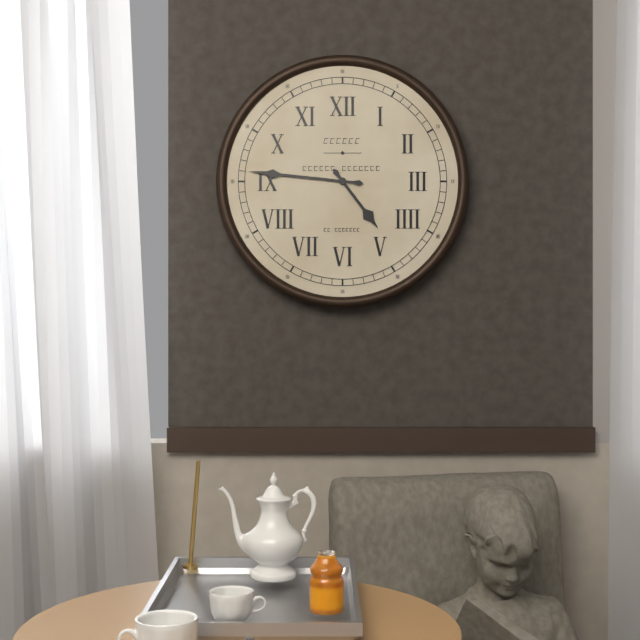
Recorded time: 4.46
